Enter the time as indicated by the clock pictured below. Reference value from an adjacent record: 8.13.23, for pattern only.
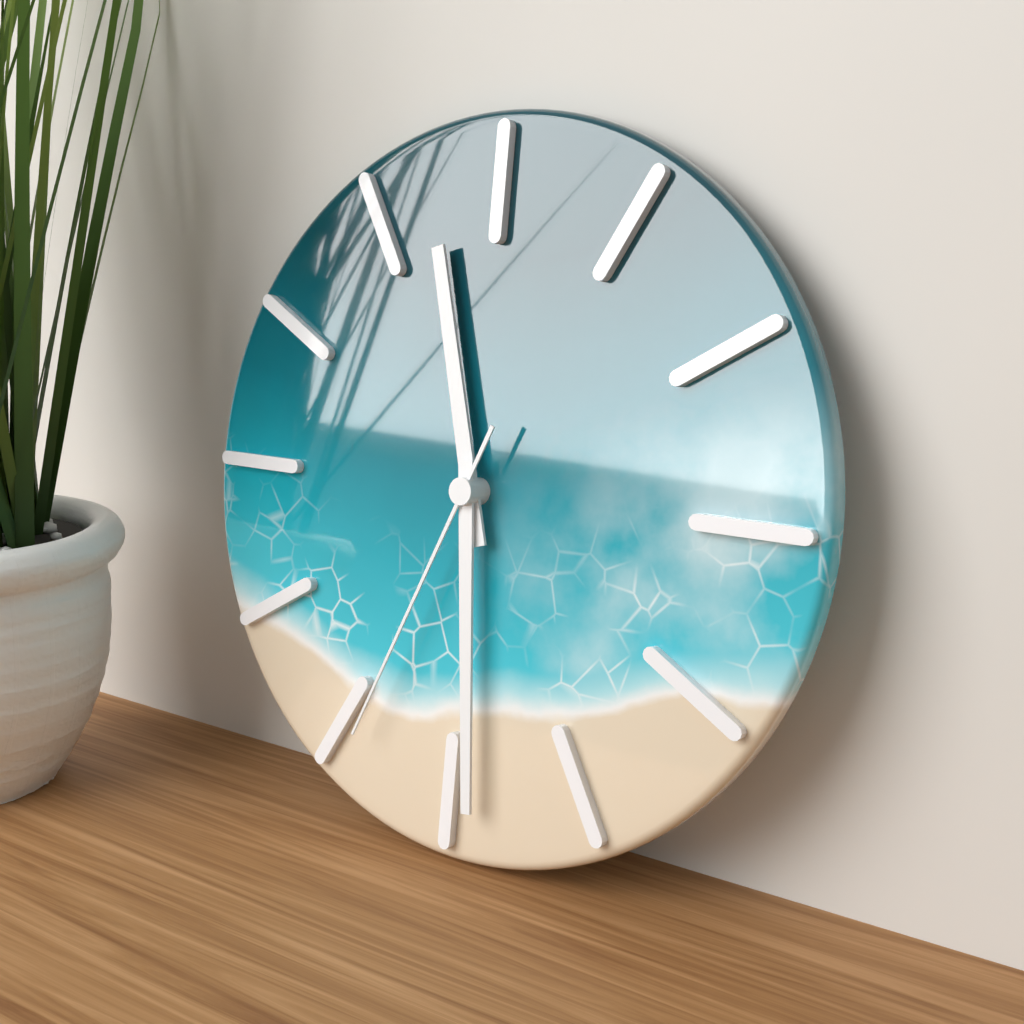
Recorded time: 11.29.34
